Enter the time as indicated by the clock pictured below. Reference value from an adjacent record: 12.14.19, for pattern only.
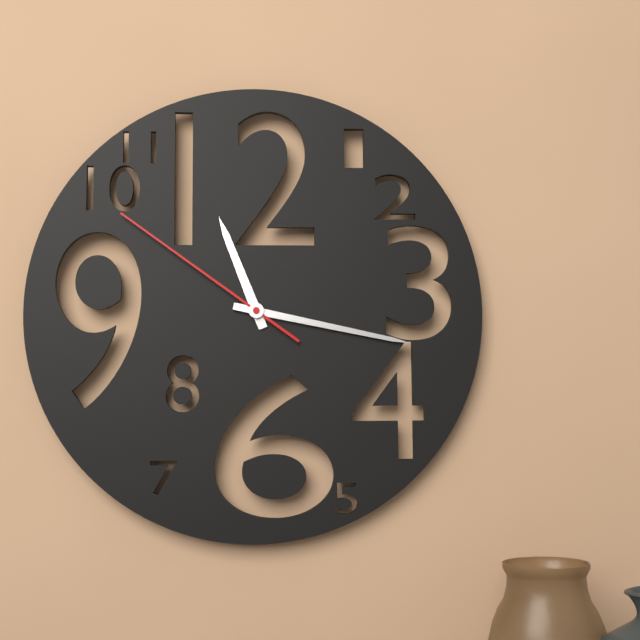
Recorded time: 11.17.51
